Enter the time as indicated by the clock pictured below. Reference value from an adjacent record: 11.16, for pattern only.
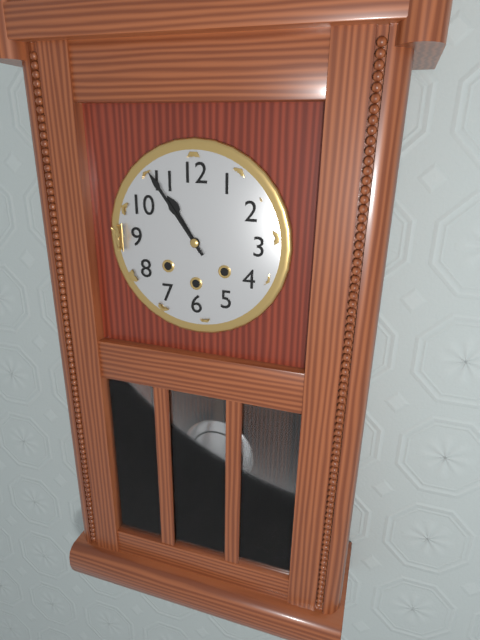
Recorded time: 10.54
